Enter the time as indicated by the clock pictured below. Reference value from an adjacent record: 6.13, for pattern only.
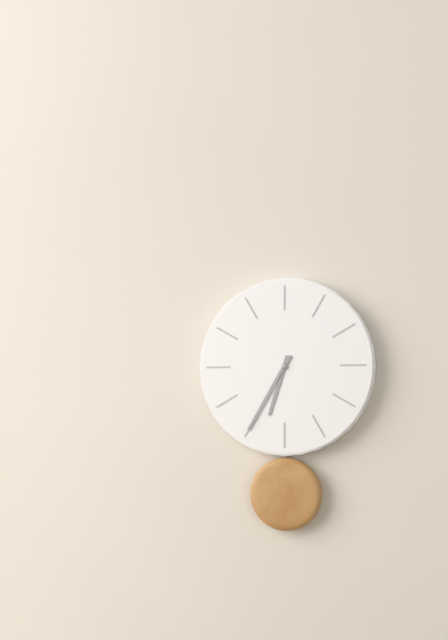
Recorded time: 6.35
